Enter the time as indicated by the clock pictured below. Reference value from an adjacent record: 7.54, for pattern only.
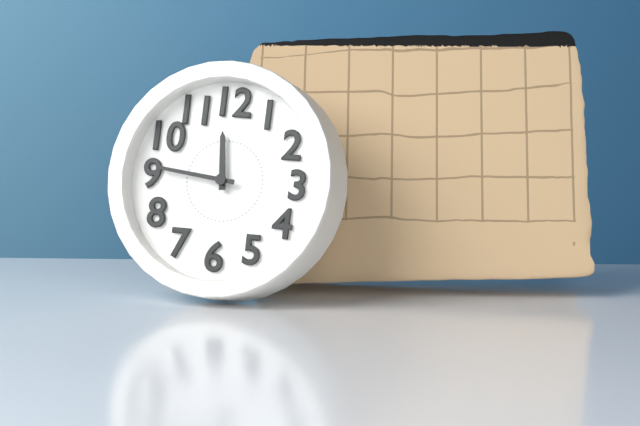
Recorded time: 11.46
